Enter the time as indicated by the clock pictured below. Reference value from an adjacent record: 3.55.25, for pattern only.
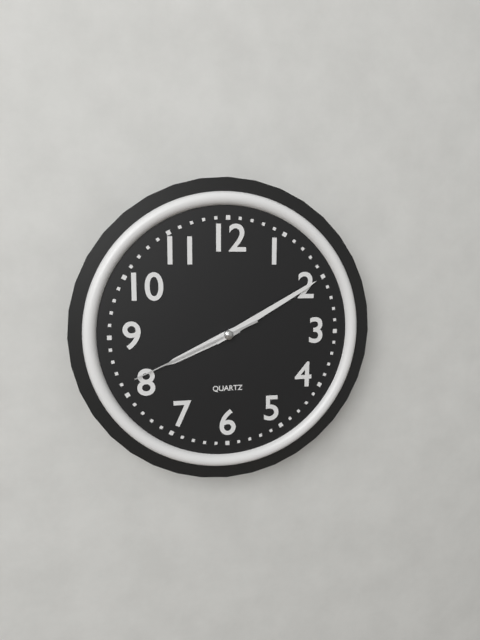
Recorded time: 8.10.41
